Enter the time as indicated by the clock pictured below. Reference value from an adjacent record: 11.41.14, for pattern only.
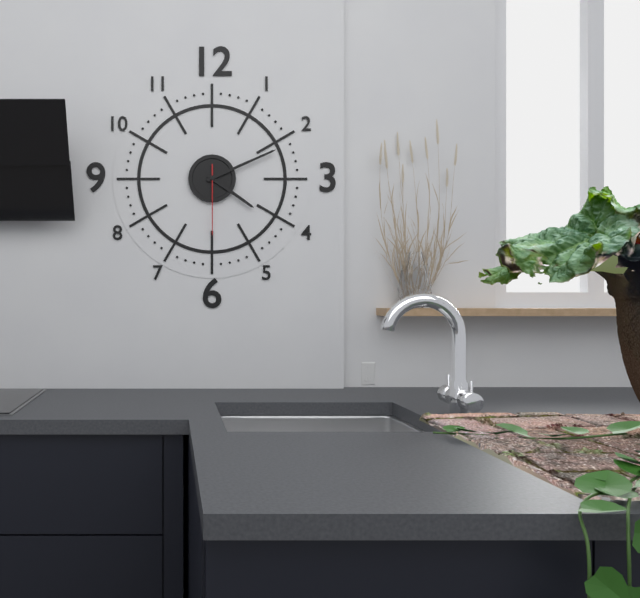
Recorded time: 4.11.30
